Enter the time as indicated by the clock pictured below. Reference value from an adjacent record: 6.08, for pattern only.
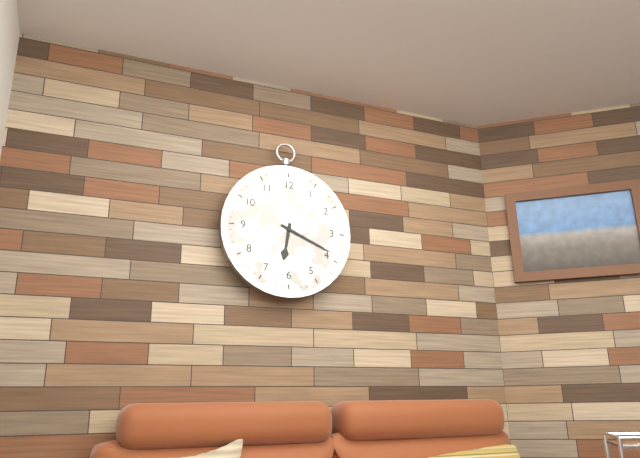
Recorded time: 6.19
